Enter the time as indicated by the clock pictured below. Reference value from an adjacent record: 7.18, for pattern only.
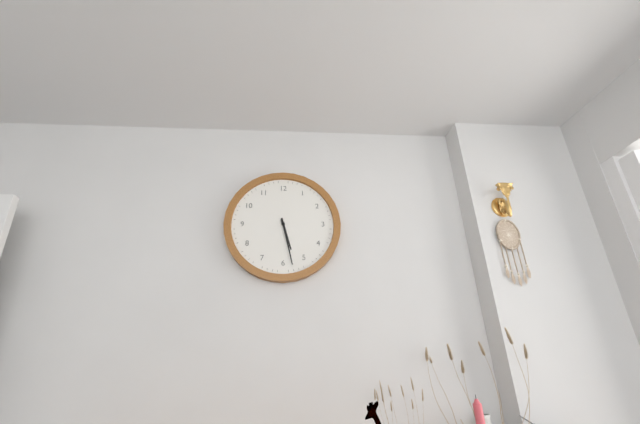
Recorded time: 5.28
